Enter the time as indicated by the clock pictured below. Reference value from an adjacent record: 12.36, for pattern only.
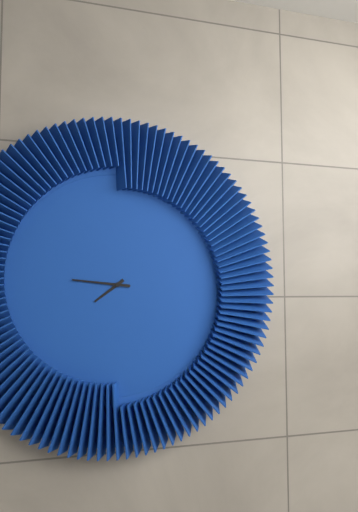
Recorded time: 7.46
